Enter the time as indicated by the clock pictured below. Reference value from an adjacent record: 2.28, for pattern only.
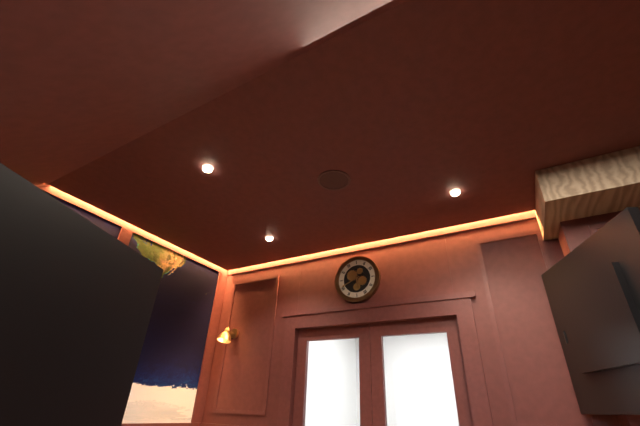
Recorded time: 5.41
